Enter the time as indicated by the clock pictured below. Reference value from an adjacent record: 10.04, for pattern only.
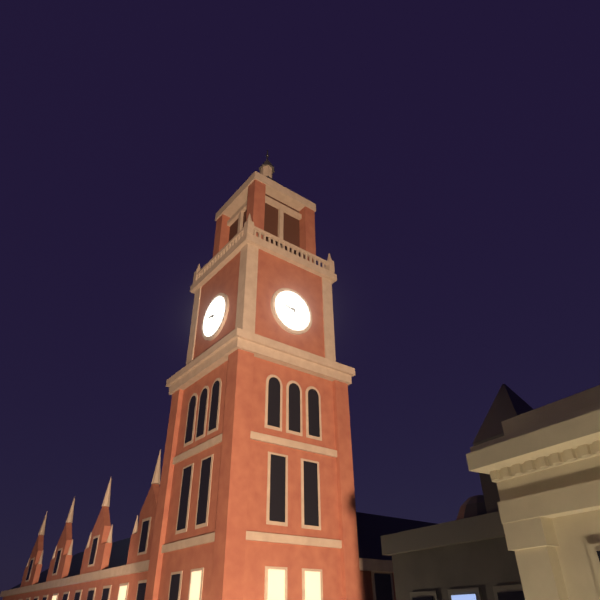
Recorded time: 9.25
